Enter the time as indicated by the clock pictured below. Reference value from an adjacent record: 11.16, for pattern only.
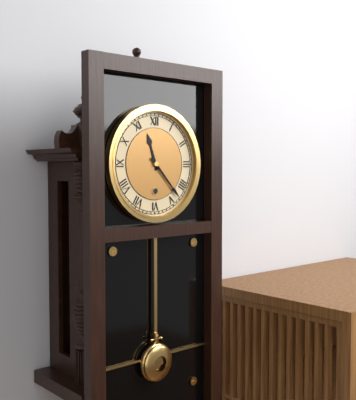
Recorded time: 11.23
